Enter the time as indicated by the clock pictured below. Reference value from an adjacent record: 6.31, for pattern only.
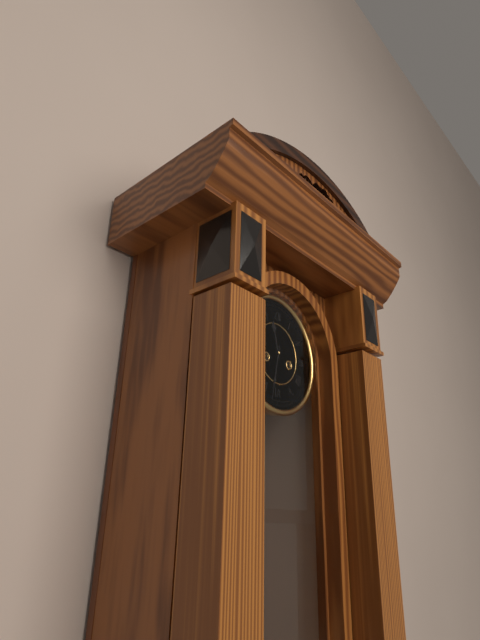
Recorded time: 11.32
